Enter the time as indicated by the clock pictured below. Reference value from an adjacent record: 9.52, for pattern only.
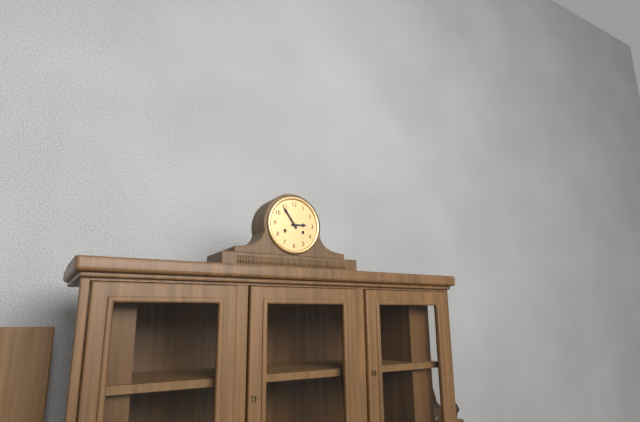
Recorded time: 2.54
